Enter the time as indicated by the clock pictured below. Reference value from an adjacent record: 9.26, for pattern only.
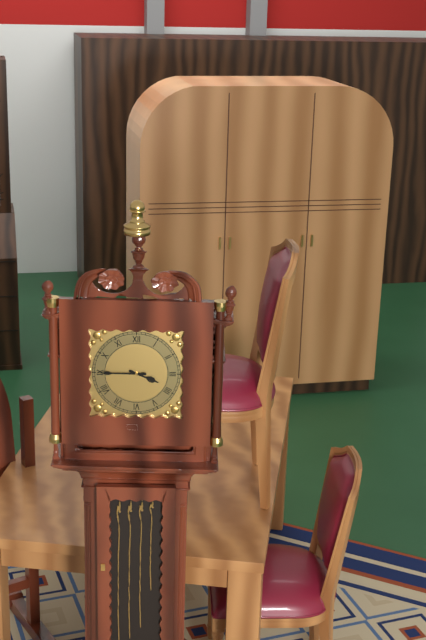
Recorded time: 3.45
